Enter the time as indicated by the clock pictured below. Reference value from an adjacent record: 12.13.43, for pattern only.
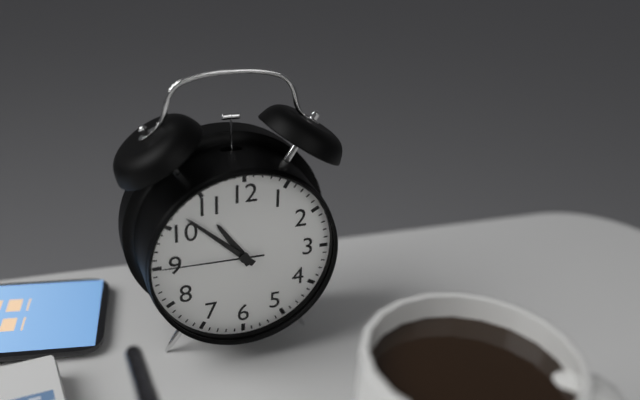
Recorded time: 10.52.45
